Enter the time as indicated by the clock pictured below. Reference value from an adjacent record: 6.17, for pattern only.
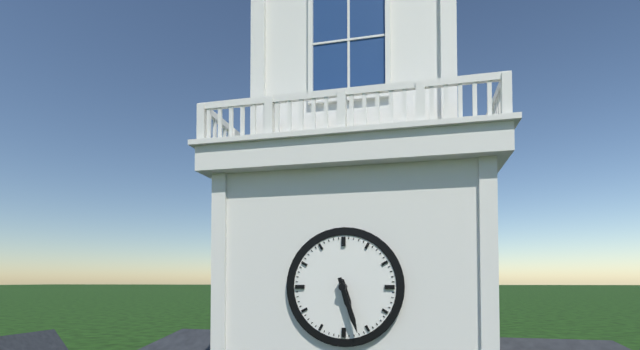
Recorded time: 5.27
